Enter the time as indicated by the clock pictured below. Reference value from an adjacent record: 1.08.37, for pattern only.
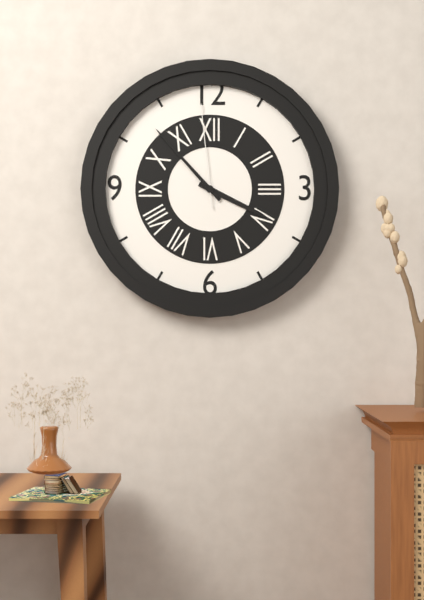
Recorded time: 3.53.59
